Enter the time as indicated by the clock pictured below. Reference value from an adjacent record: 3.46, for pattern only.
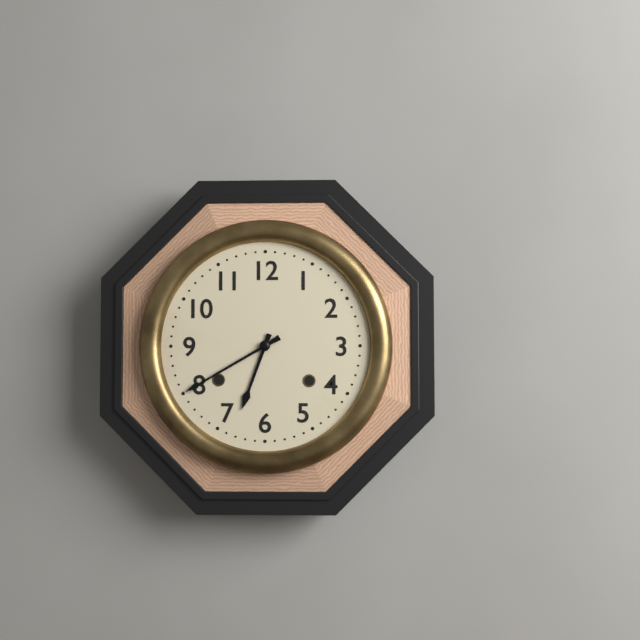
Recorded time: 6.40
